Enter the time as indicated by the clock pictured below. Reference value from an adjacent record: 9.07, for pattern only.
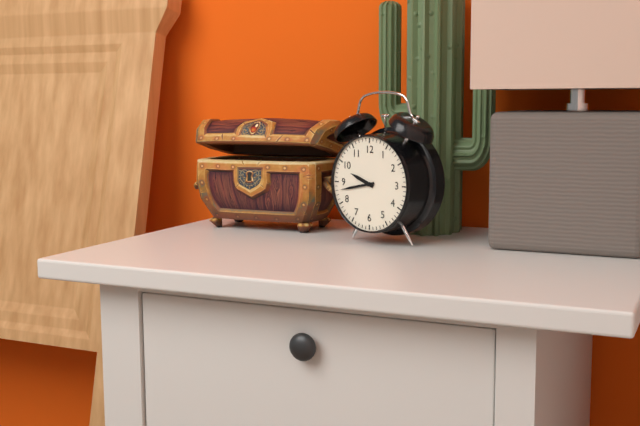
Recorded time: 9.43
